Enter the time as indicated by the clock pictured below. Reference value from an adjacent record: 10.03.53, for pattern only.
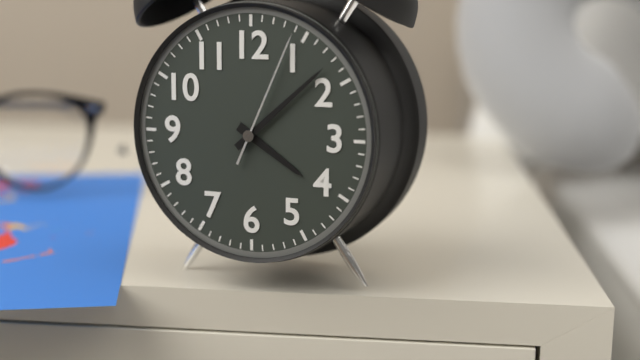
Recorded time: 4.08.04
